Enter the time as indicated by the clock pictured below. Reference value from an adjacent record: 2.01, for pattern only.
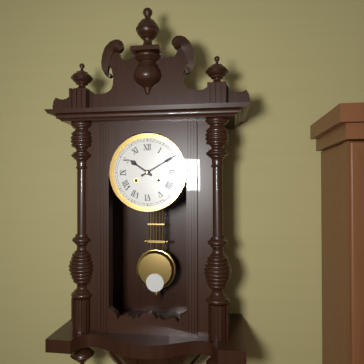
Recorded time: 10.10
